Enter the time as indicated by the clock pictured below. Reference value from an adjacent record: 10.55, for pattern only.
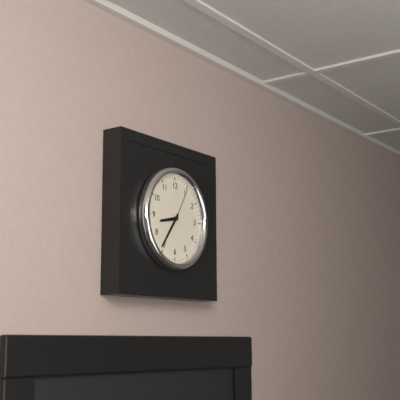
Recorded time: 8.36
